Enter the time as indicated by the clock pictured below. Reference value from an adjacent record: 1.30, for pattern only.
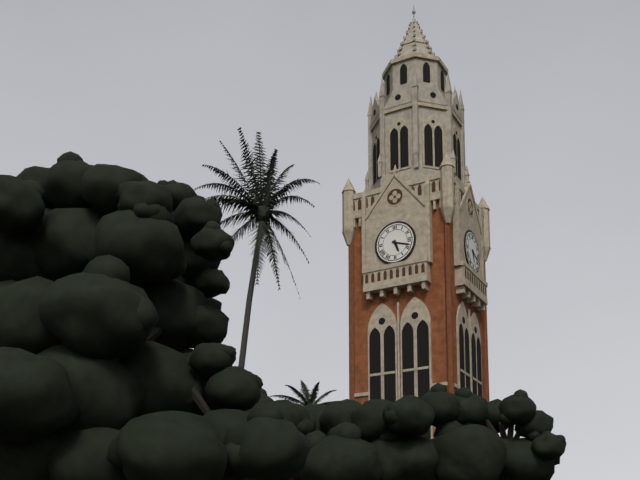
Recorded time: 5.18
